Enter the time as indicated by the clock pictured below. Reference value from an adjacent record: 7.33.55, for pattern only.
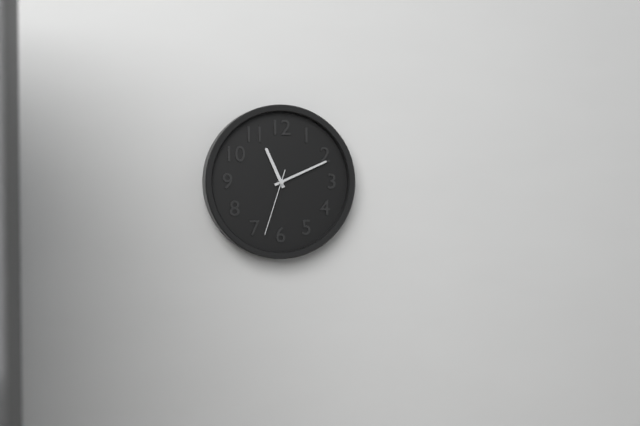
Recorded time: 11.11.33
